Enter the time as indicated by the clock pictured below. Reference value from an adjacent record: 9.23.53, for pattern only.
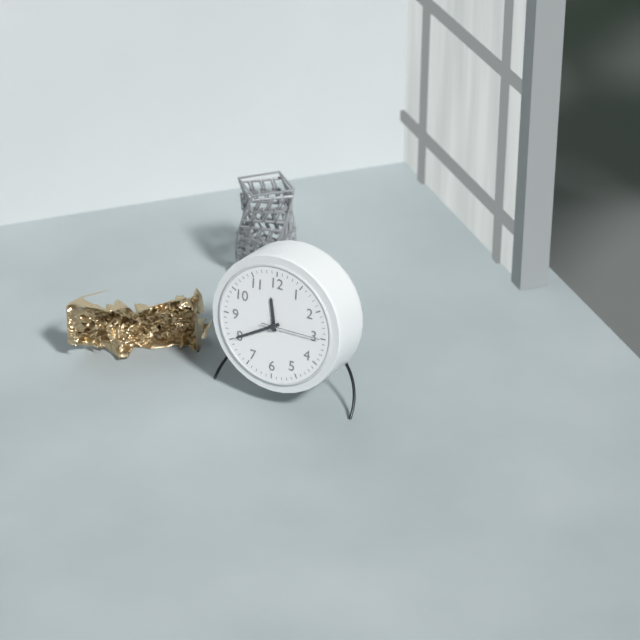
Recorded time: 11.40.15
